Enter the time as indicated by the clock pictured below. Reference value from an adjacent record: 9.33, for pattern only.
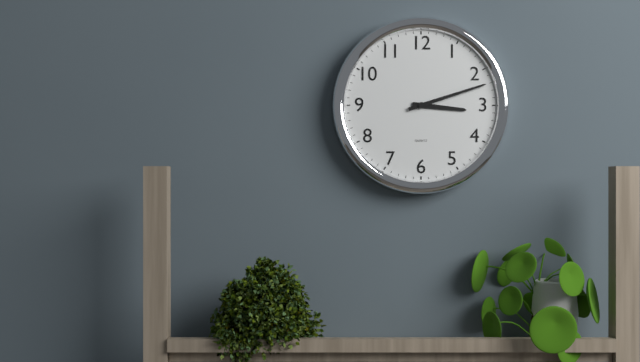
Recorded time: 3.12
